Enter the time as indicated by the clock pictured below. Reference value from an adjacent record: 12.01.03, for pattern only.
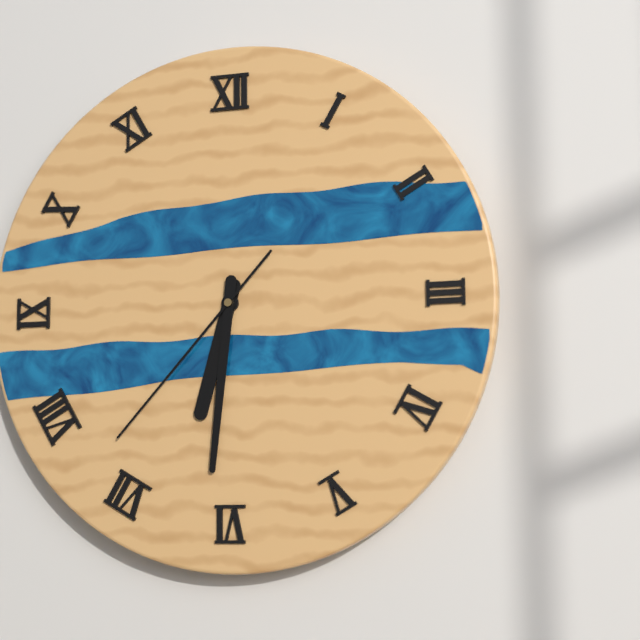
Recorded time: 6.31.37
